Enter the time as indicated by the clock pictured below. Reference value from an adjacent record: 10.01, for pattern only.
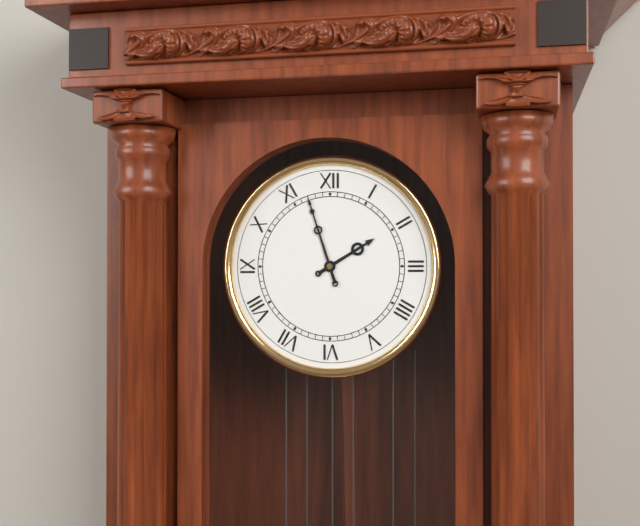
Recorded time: 1.57
